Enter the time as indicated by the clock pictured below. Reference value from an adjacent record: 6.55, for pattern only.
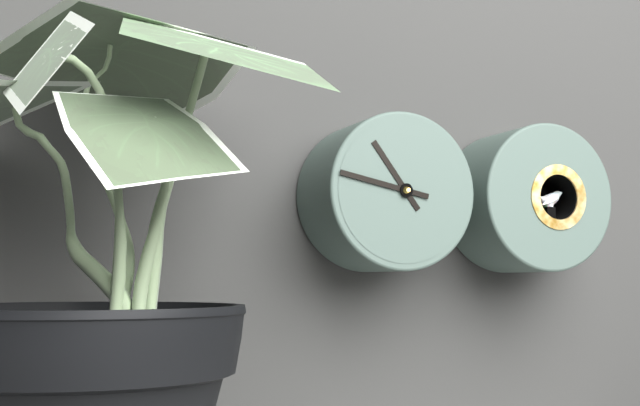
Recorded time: 10.47
